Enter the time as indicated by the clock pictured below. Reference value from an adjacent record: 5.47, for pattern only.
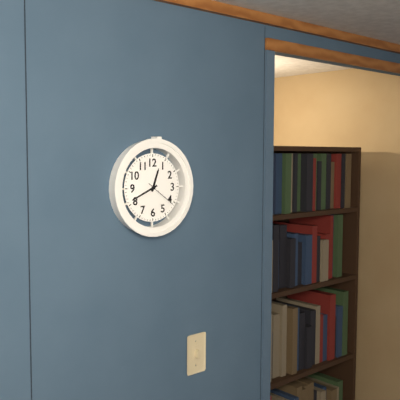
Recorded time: 12.41
